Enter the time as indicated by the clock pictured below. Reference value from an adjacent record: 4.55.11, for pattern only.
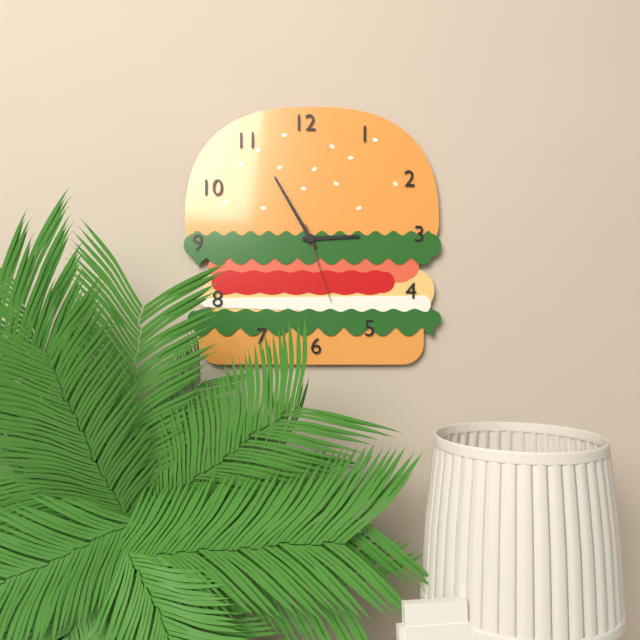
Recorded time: 2.55.27
